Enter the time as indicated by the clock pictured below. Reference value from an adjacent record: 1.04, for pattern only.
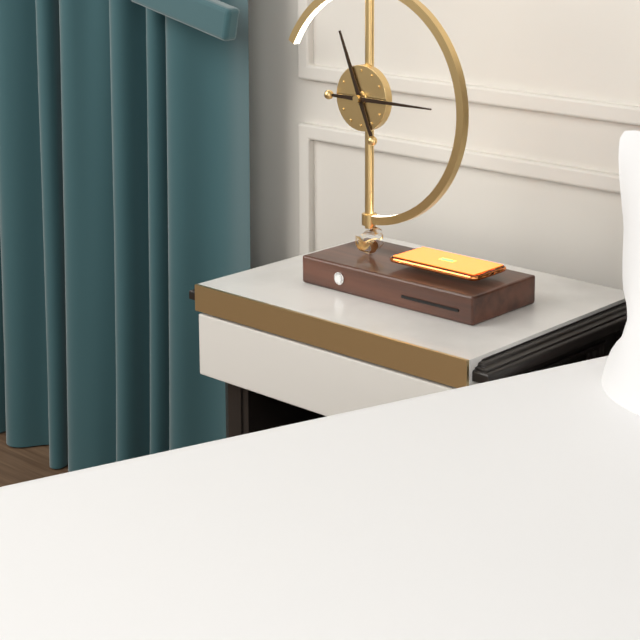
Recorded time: 11.15
